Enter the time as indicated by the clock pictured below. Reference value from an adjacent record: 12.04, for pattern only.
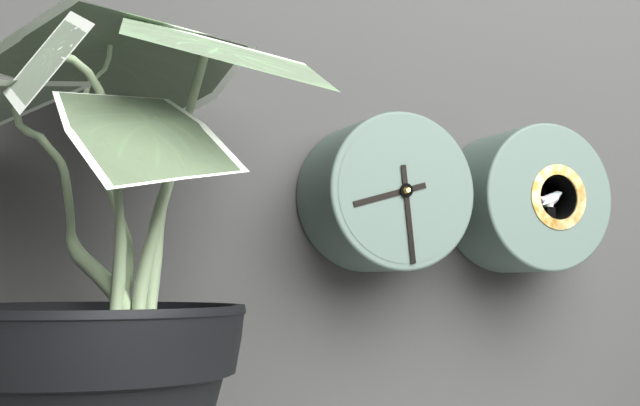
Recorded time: 8.29
